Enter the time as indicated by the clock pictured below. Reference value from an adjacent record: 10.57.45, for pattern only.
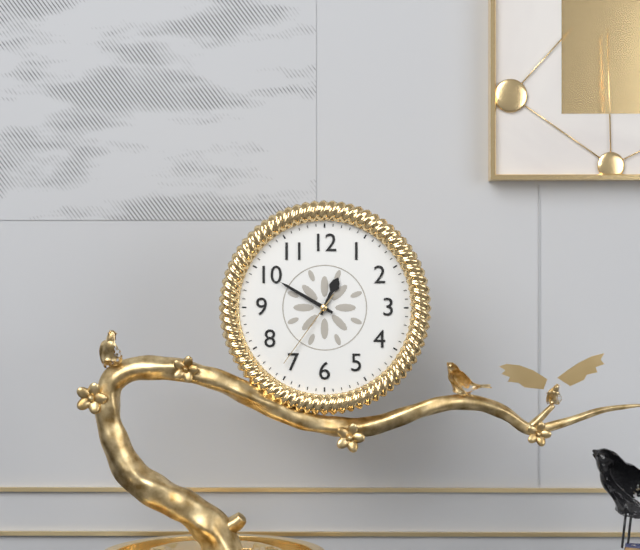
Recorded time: 12.50.36
